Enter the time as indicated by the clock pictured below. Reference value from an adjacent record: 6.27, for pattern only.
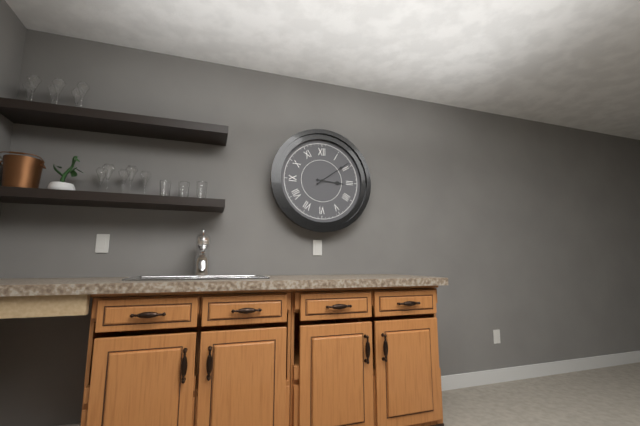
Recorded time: 3.09
